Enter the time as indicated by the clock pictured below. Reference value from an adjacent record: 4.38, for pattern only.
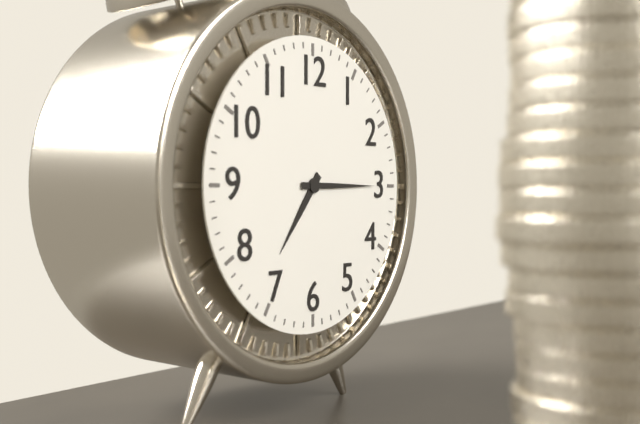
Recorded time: 7.15
